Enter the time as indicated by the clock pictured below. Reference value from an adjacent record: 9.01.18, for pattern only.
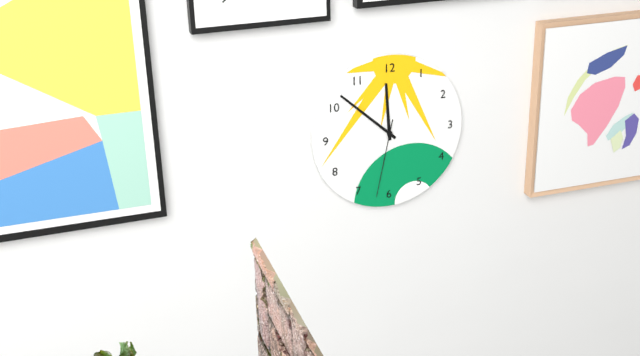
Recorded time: 11.52.32
